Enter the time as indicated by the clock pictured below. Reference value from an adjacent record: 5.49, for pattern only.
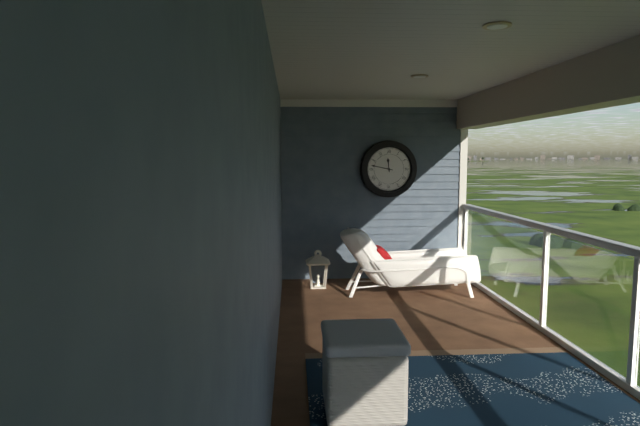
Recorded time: 11.47
